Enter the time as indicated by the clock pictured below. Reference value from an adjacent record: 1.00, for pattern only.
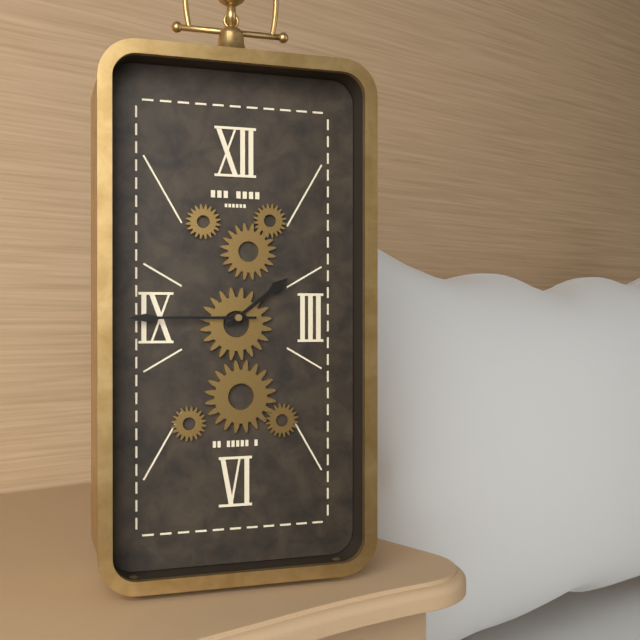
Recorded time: 1.45
